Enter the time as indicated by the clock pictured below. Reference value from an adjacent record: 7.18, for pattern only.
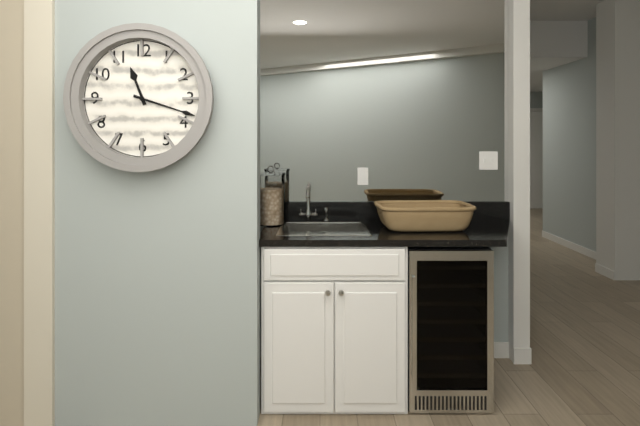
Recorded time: 11.18
